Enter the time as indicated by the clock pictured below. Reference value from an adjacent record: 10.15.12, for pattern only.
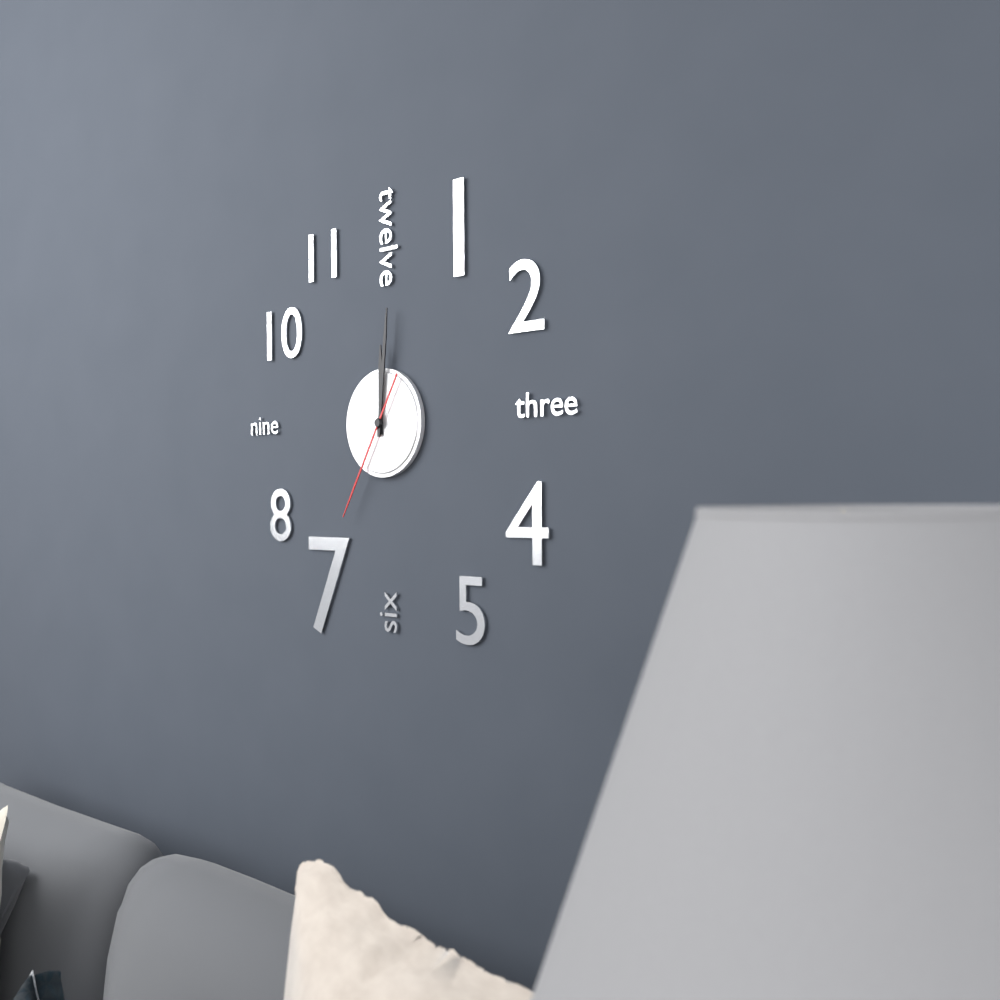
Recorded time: 12.01.35
